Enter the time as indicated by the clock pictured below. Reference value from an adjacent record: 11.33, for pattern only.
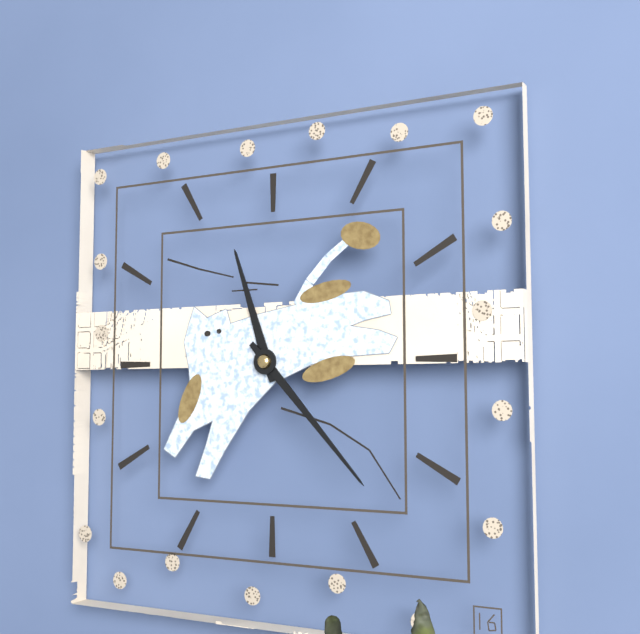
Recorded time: 11.23
